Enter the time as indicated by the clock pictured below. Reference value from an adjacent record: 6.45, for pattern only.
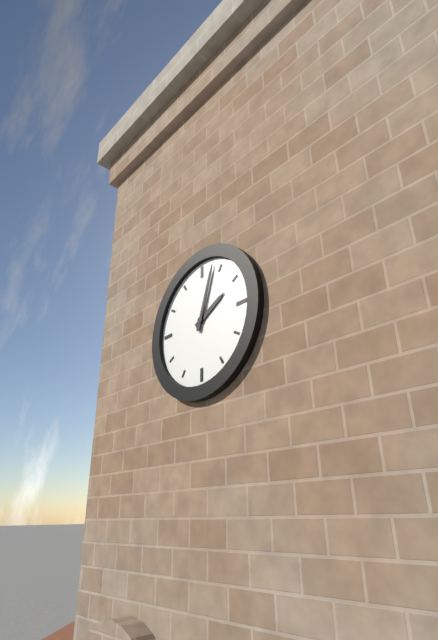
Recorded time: 2.03
